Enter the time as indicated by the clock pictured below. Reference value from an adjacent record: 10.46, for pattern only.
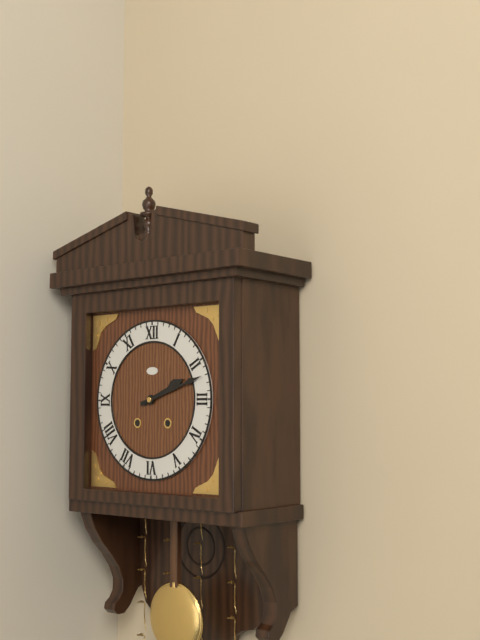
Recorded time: 2.12
